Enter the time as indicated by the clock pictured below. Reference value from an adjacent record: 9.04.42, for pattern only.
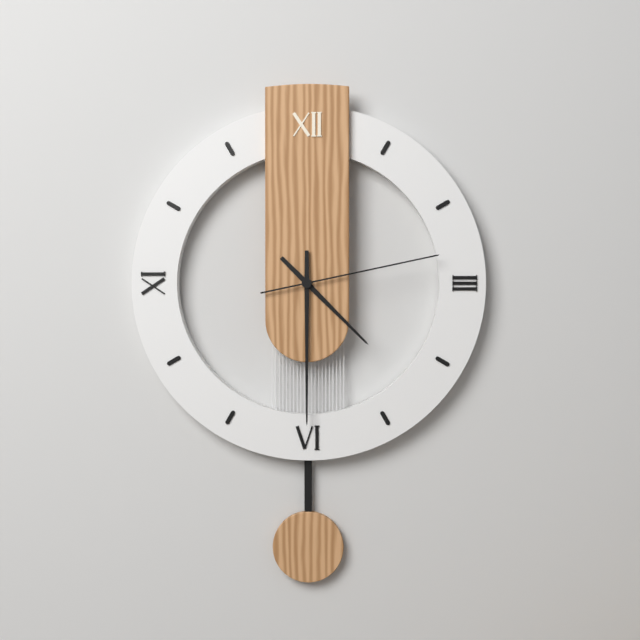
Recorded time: 4.30.13
